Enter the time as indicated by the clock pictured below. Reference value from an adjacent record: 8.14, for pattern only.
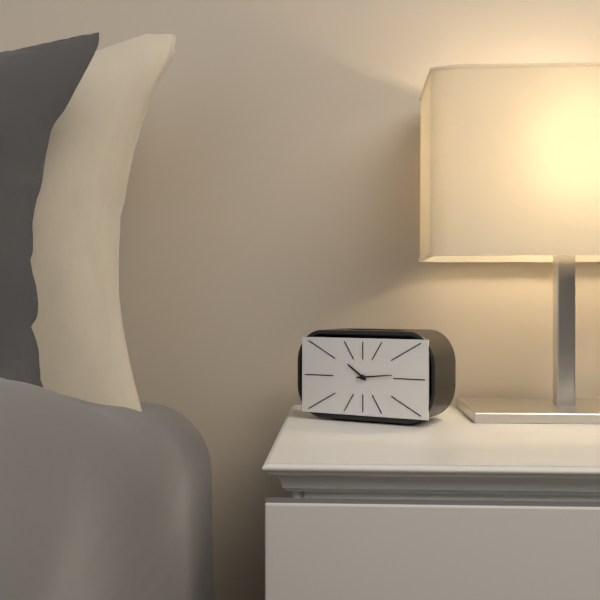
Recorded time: 10.14
